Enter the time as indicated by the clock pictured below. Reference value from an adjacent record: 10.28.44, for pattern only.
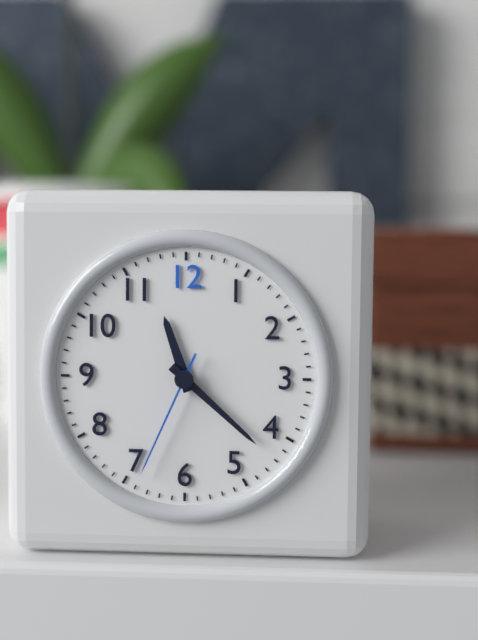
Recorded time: 11.22.34
